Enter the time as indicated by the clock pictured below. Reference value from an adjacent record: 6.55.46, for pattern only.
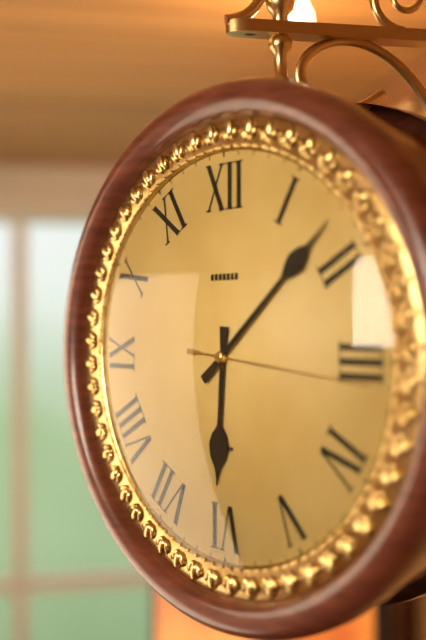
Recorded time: 6.08.16
